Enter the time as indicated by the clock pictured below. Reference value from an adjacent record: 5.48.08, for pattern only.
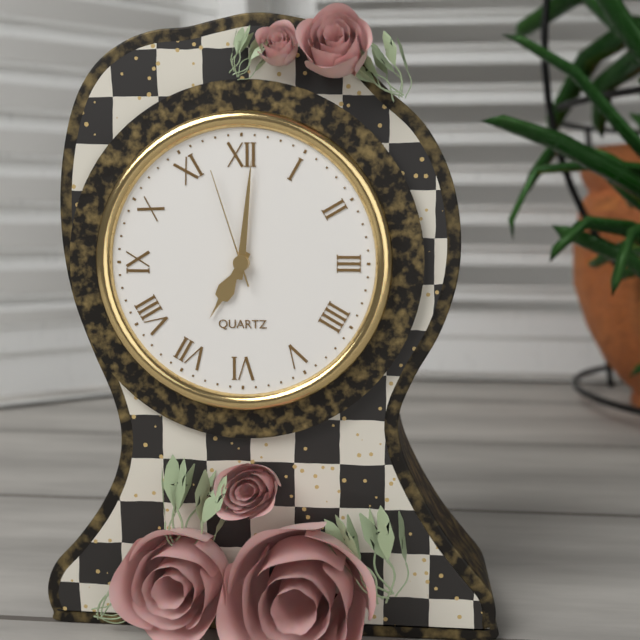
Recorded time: 7.01.57
